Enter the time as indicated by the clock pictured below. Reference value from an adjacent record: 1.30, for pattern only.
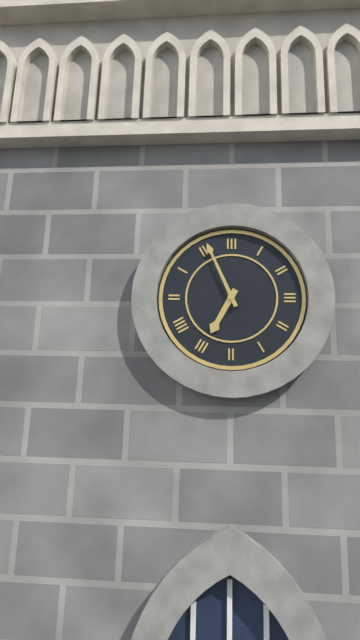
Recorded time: 6.56
